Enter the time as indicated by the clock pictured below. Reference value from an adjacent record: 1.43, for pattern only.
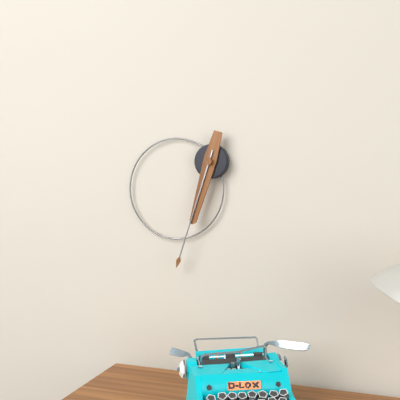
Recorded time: 6.33
